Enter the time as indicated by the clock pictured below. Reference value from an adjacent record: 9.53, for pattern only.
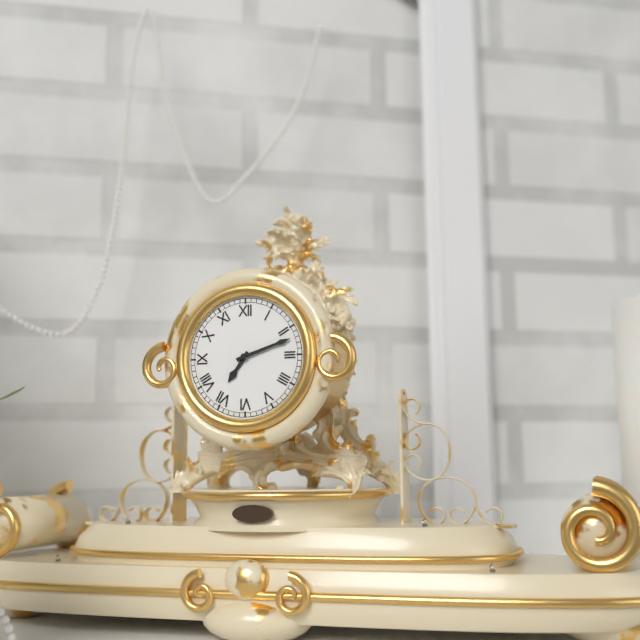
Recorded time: 7.12
